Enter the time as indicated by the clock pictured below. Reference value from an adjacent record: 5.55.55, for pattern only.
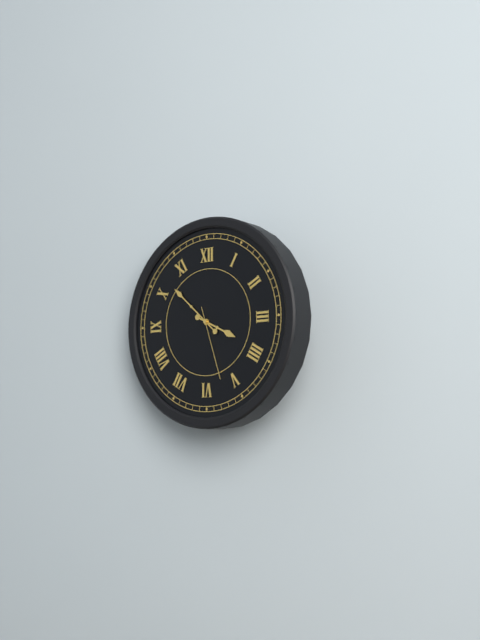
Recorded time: 3.52.27
